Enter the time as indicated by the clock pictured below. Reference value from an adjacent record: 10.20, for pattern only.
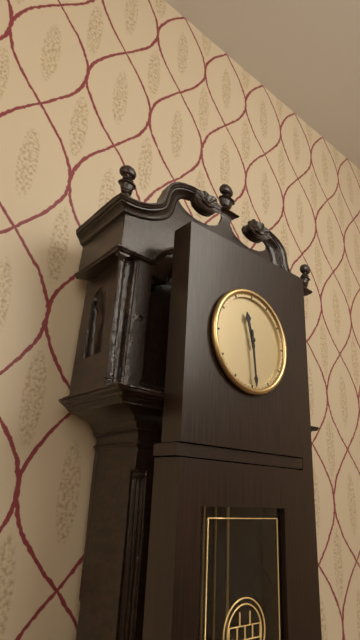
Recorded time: 11.29
